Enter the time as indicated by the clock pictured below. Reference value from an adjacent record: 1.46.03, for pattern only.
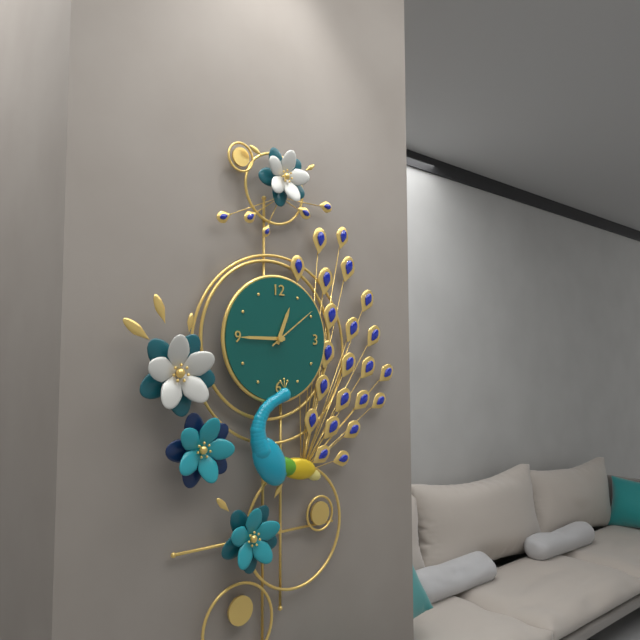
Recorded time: 12.45.09
